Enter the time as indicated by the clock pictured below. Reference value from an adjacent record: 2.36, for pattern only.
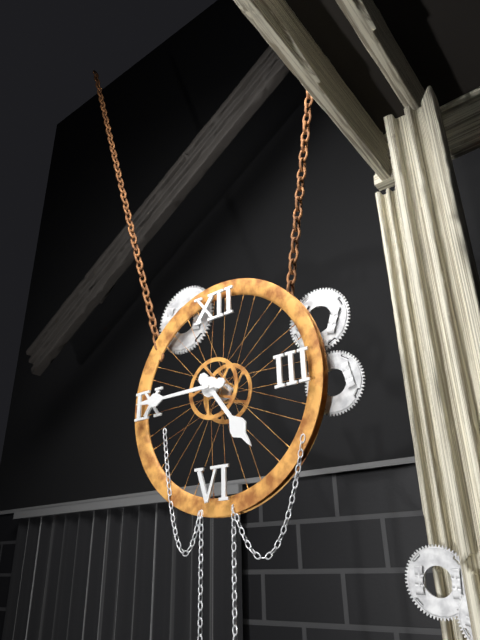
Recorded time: 4.45
